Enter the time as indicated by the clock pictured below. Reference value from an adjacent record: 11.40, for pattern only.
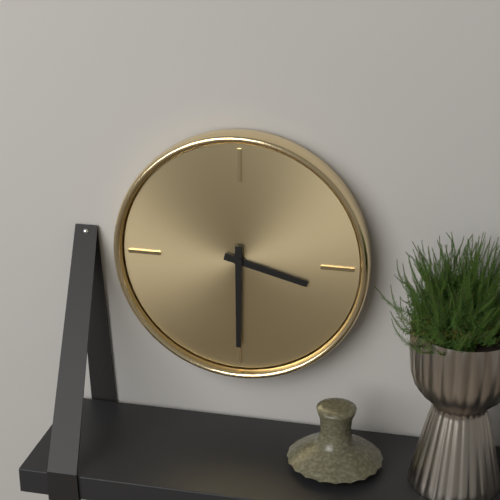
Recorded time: 3.30
